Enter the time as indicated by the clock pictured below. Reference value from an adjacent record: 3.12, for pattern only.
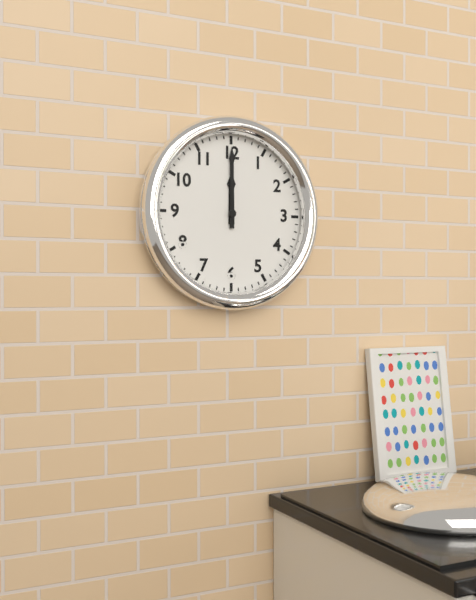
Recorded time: 12.00
